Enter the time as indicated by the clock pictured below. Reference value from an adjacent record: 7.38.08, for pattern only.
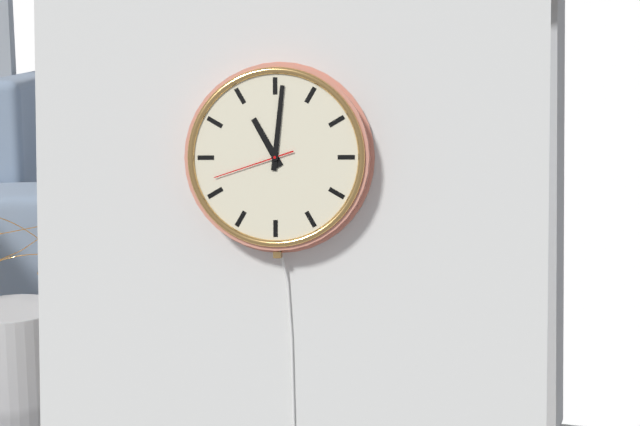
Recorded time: 11.01.42
